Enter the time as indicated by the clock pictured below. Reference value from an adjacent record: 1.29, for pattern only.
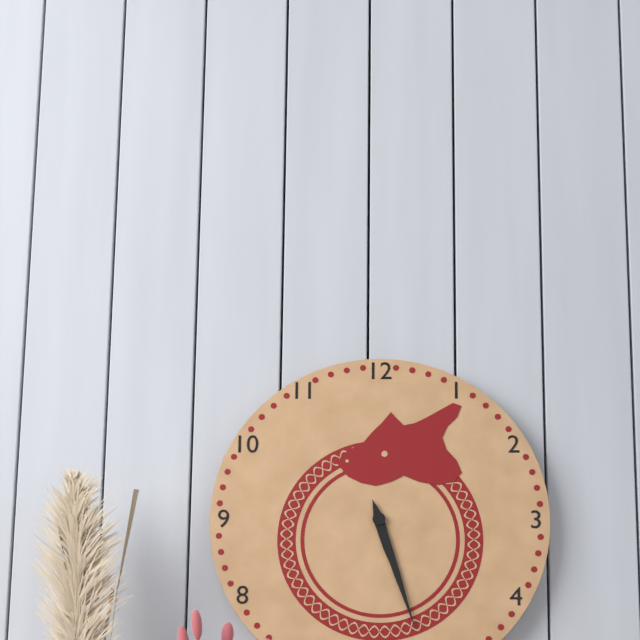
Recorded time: 5.27
